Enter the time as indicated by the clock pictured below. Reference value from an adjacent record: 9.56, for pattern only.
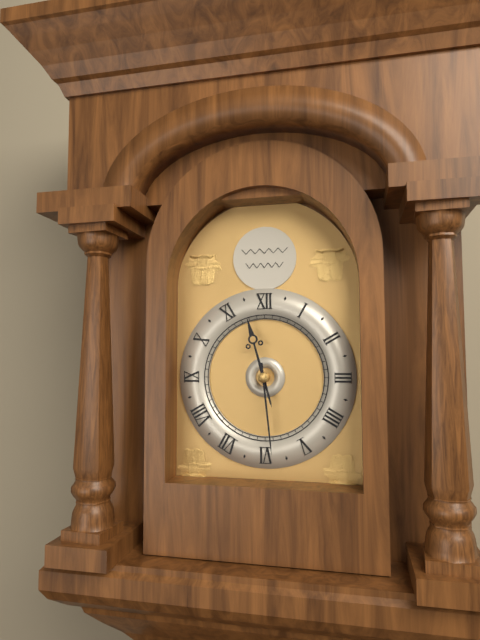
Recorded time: 11.29
